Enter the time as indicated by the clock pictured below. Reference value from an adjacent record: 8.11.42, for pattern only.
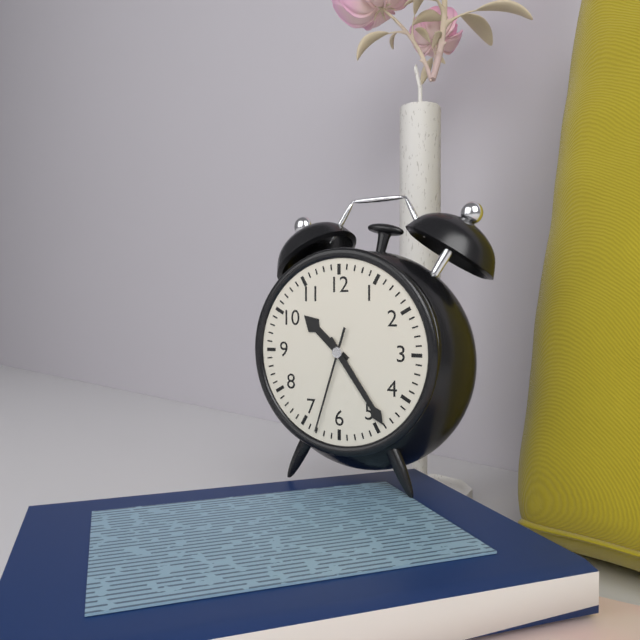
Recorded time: 10.24.33
